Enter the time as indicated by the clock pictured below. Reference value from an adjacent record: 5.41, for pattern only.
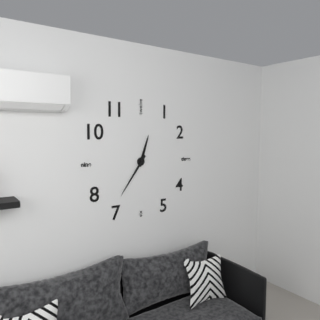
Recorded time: 12.36
